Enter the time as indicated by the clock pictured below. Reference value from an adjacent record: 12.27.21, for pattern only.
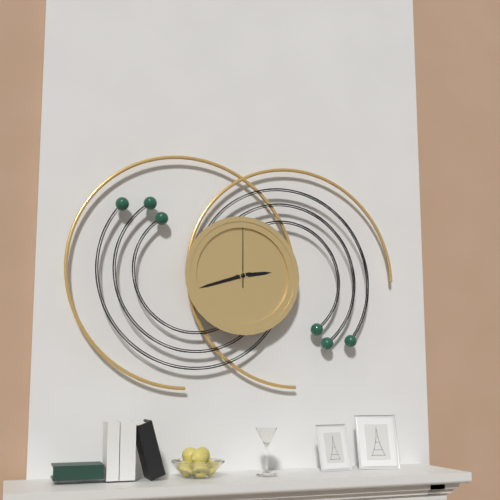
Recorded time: 2.42.00
